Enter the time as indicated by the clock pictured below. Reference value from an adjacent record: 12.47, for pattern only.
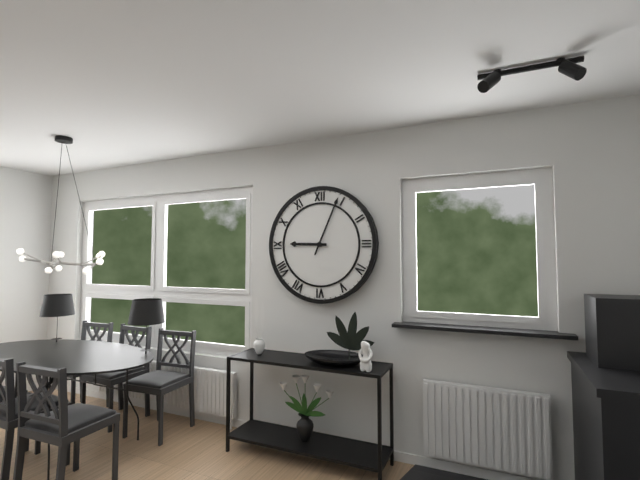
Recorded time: 9.04
